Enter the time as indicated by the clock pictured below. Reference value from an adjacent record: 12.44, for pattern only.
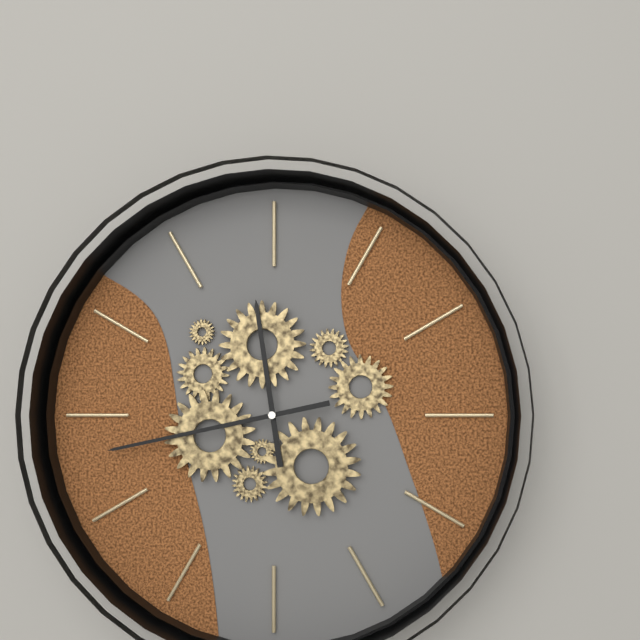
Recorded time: 11.43
